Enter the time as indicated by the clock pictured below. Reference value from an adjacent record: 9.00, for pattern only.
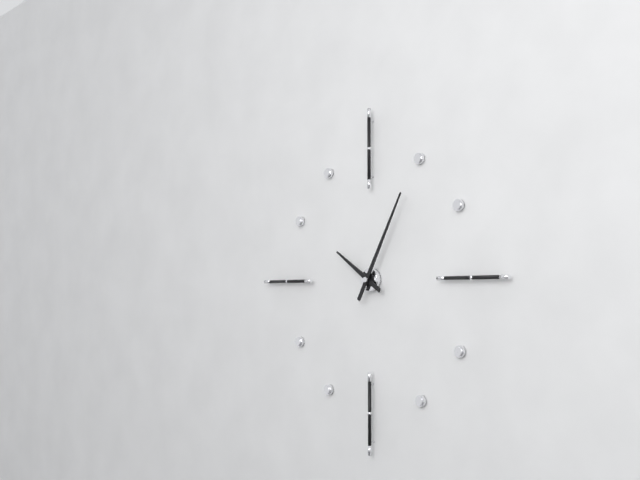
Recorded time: 10.05
